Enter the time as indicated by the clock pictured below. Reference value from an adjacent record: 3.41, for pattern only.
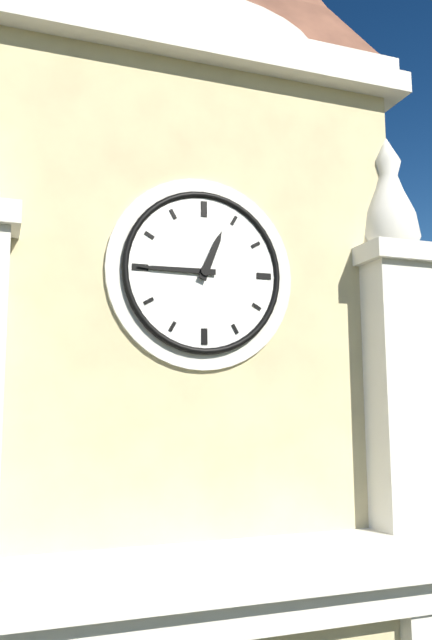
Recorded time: 12.45
